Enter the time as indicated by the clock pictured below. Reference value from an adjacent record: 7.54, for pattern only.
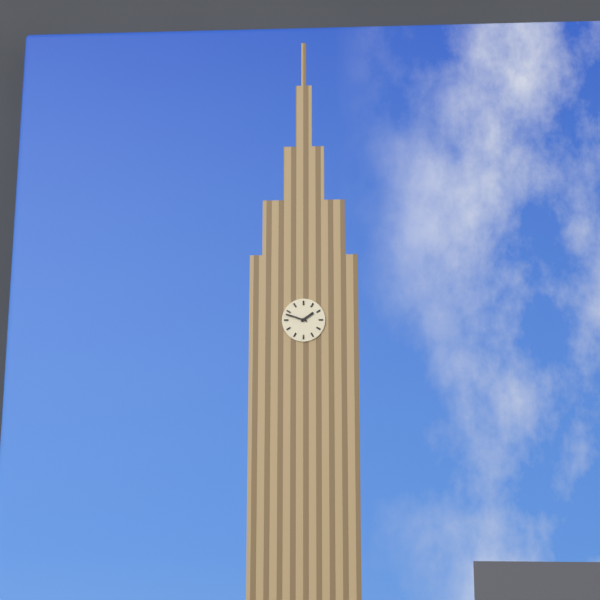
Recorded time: 1.48
